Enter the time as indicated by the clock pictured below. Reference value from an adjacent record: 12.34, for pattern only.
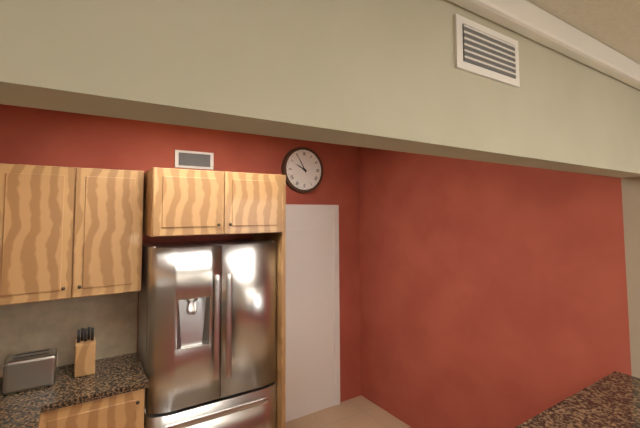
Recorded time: 9.55
